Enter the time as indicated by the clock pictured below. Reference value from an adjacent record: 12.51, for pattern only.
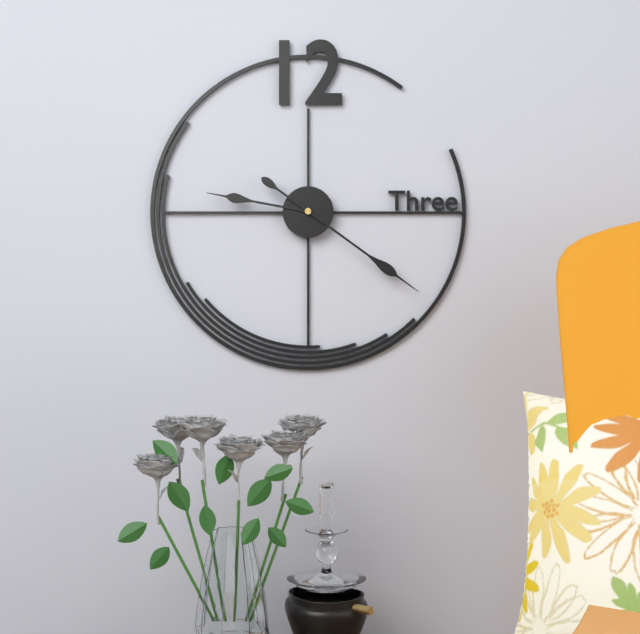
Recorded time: 9.21
